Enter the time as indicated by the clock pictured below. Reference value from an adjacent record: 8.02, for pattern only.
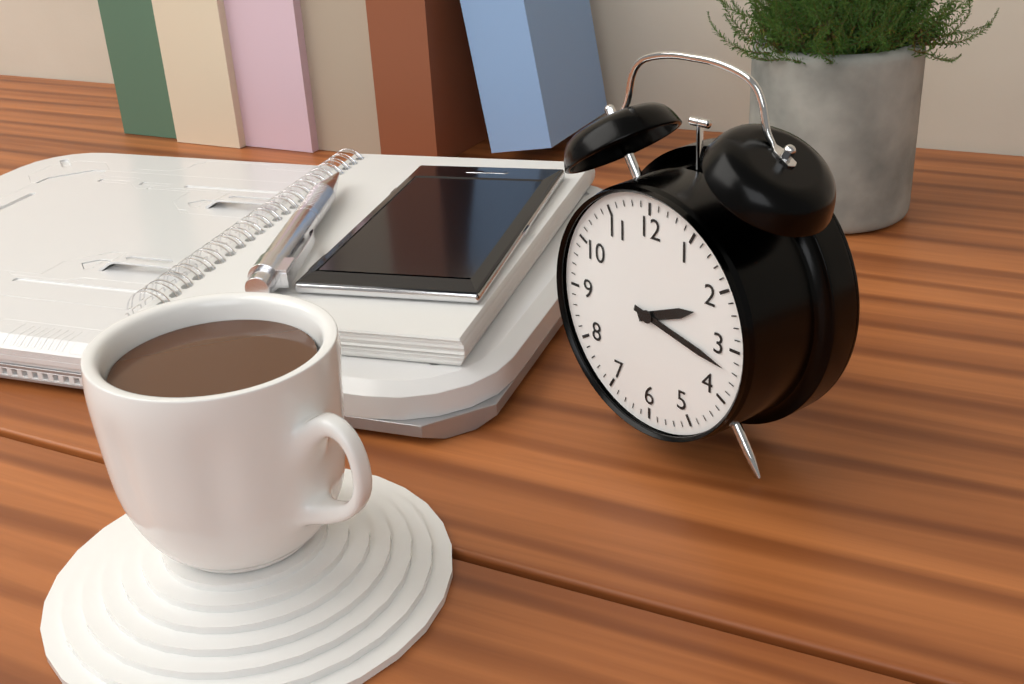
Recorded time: 2.17
